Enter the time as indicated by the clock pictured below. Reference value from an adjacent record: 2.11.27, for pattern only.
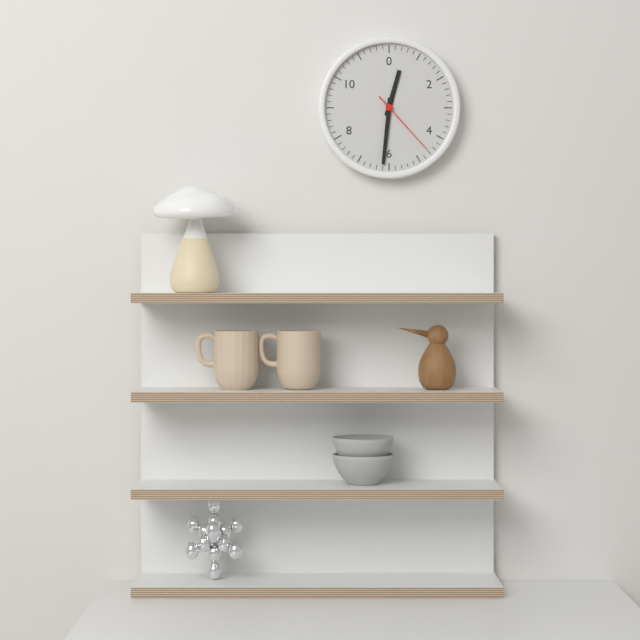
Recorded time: 12.31.23
